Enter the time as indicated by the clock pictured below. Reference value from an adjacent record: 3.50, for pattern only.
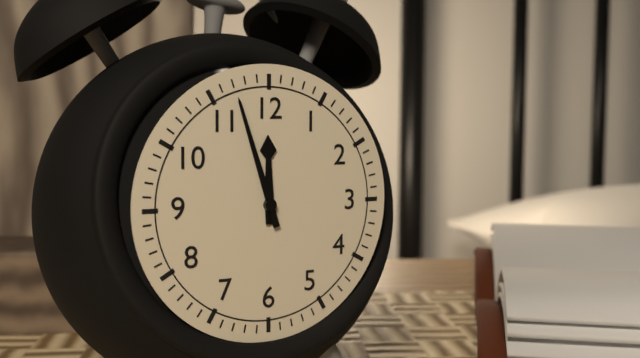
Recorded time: 11.57
